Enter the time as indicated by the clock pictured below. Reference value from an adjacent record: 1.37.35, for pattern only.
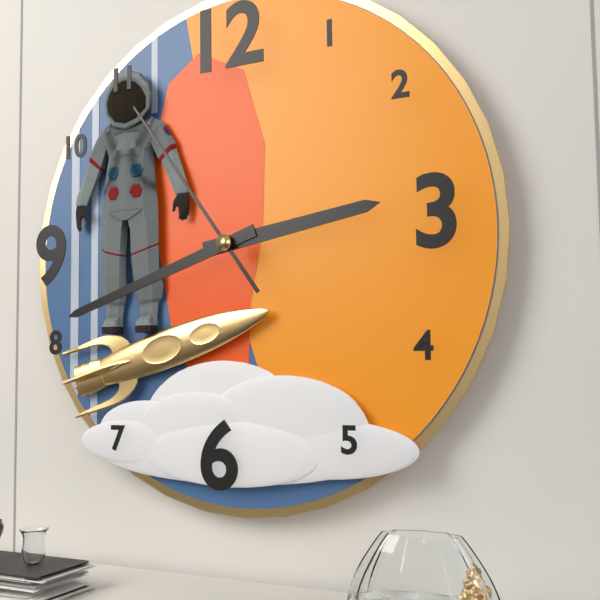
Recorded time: 2.42.54
